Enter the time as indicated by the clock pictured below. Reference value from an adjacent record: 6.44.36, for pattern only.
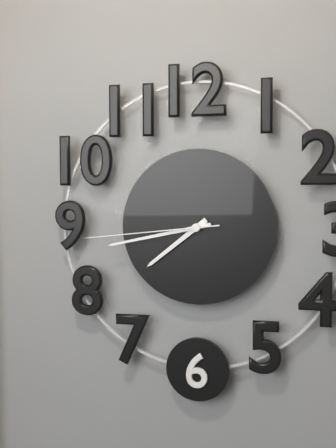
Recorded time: 7.43.44
